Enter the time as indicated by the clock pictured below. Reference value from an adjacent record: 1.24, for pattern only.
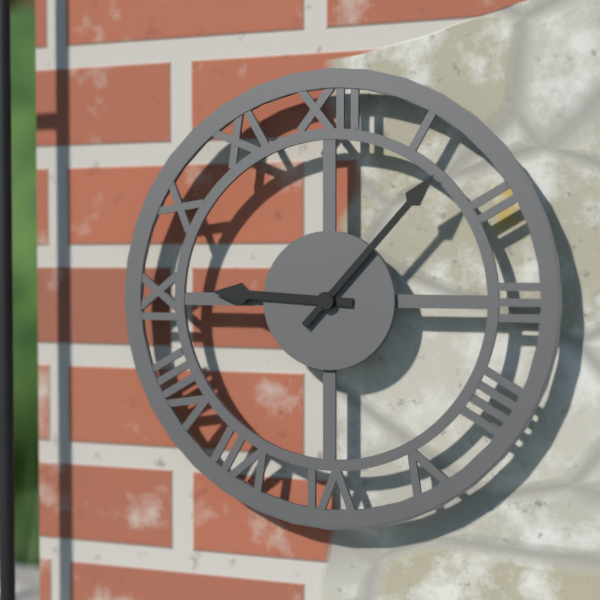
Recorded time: 9.07
